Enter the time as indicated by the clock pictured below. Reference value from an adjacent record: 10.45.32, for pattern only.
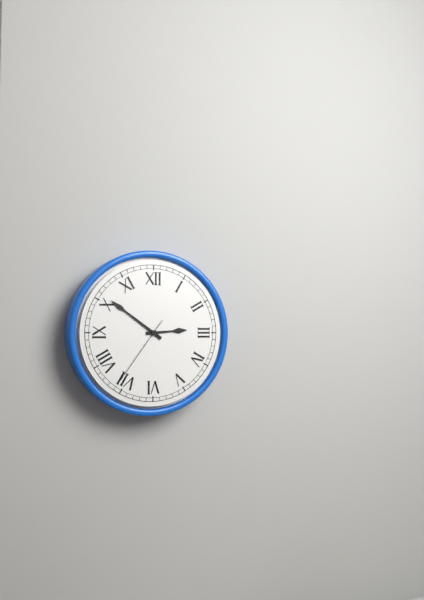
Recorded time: 2.51.36
